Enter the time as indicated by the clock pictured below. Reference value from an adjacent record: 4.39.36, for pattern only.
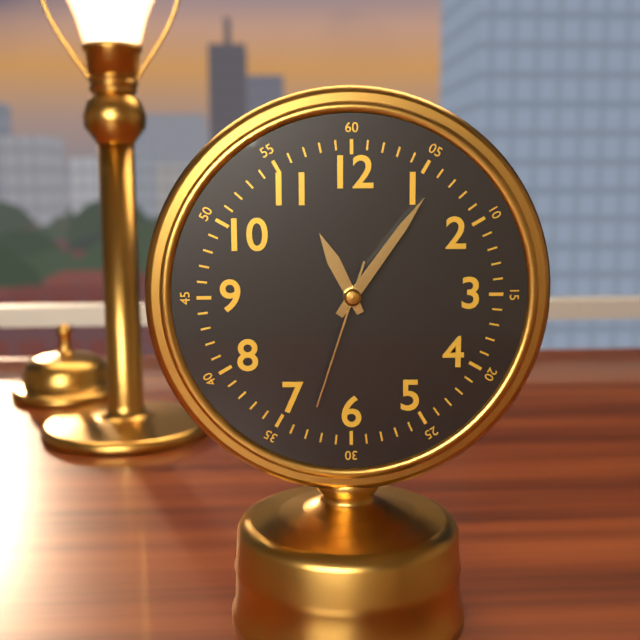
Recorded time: 11.06.33
